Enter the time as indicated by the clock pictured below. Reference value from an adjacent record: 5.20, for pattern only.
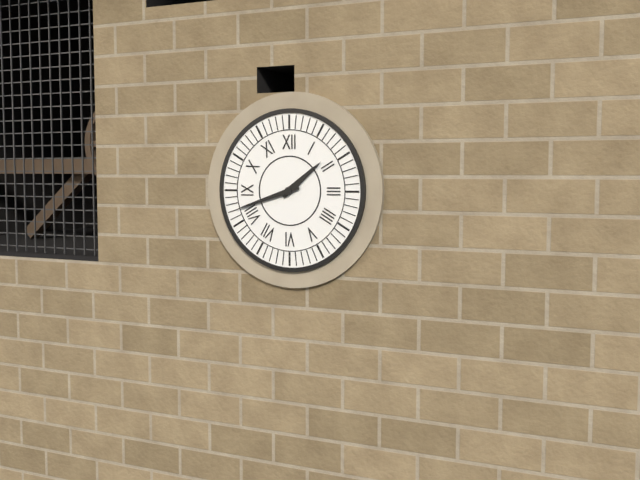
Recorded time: 1.42
